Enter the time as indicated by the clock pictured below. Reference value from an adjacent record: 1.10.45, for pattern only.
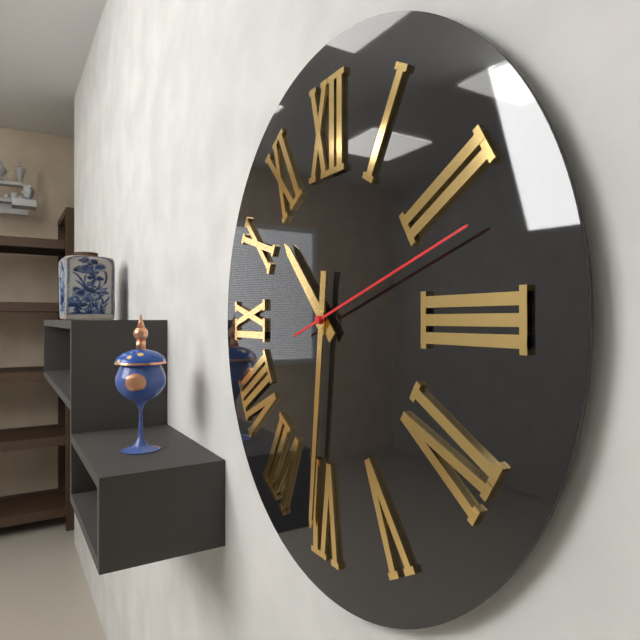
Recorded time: 10.31.12
